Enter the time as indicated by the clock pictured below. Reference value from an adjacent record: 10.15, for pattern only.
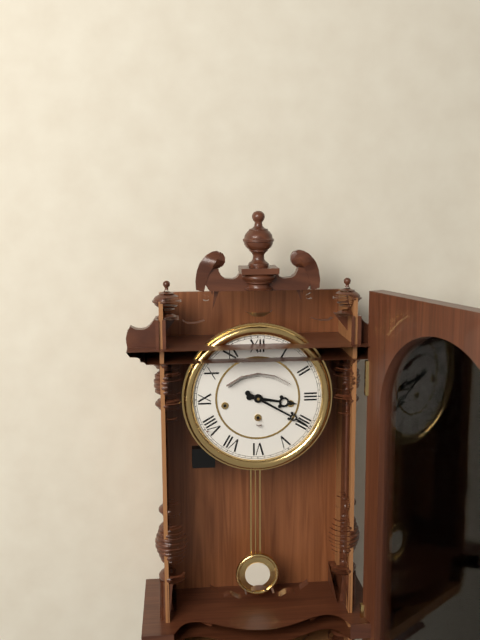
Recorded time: 3.20
